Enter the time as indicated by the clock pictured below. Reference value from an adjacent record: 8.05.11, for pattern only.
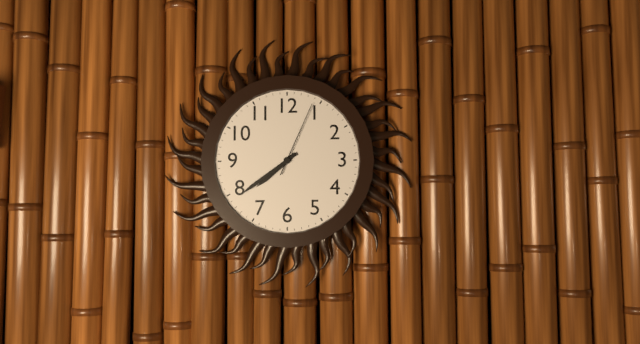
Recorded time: 7.39.04
